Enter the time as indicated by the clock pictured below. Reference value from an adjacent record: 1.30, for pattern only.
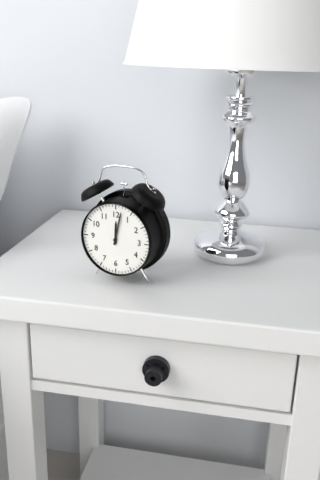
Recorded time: 12.02
